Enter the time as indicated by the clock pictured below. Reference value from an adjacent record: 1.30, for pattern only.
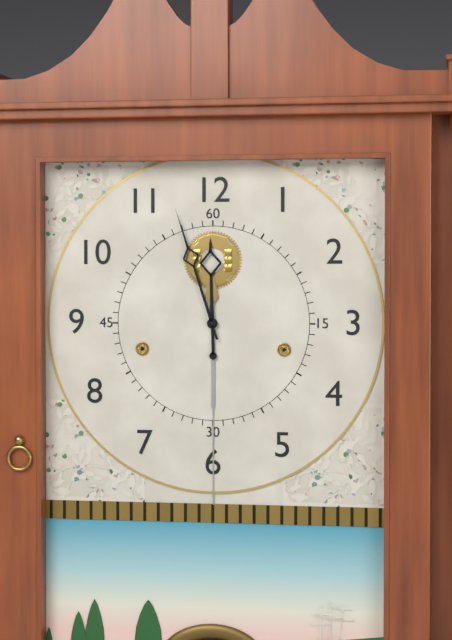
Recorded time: 11.57
